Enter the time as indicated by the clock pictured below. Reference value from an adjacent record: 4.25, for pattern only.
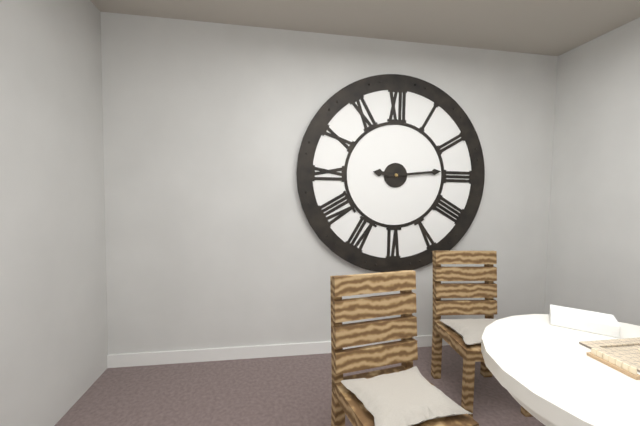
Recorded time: 9.14
